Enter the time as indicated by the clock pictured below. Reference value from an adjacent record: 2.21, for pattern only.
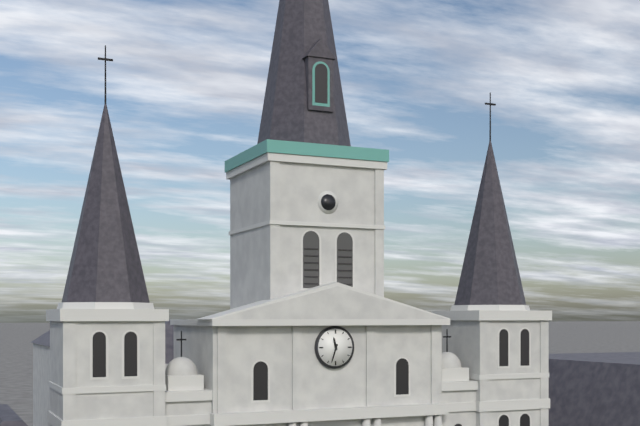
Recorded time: 11.33
